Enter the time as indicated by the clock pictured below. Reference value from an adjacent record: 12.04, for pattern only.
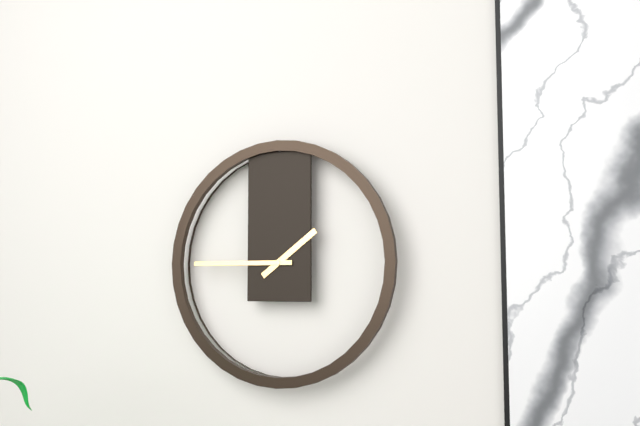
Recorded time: 1.45
